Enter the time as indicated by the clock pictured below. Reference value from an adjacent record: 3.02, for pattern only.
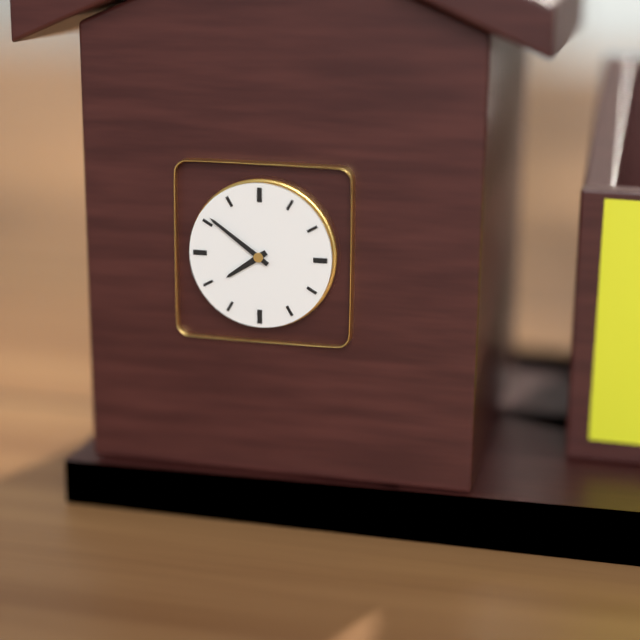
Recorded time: 7.51
